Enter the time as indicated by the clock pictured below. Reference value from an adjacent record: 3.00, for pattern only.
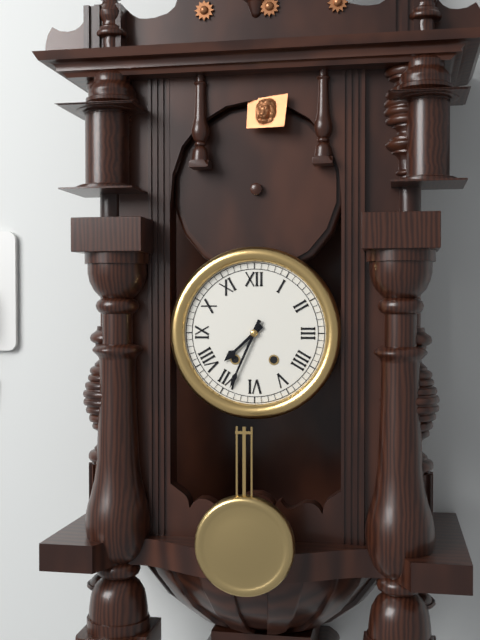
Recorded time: 7.34
